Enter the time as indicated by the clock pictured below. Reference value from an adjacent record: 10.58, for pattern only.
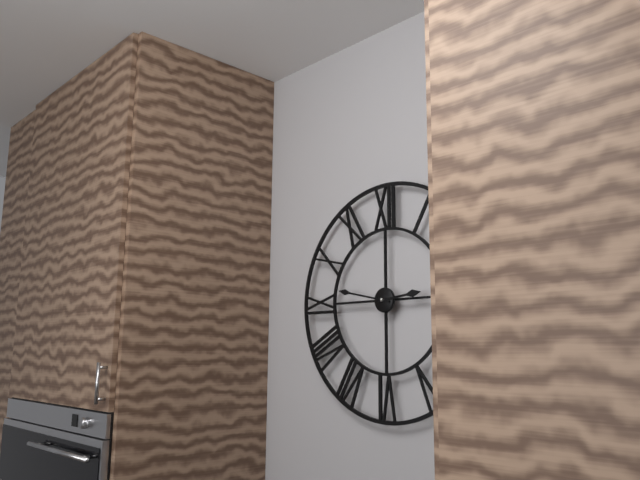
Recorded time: 2.47
